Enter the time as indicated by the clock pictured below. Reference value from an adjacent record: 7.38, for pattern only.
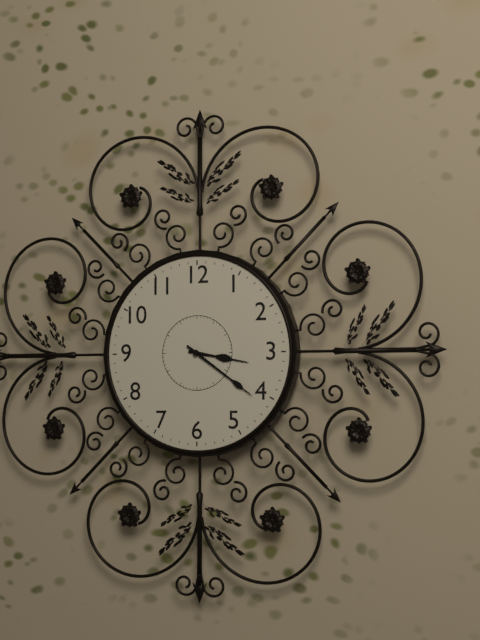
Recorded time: 3.21
